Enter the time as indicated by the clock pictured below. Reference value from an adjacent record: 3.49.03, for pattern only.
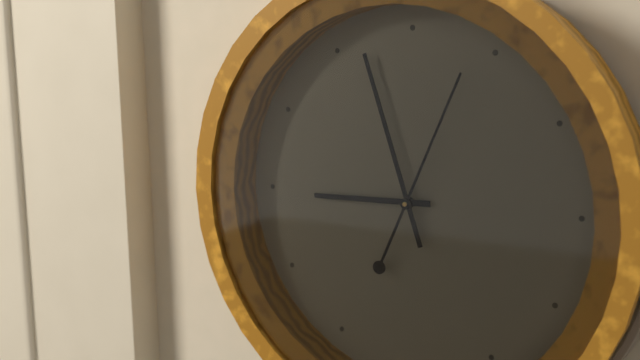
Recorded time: 8.57.04
